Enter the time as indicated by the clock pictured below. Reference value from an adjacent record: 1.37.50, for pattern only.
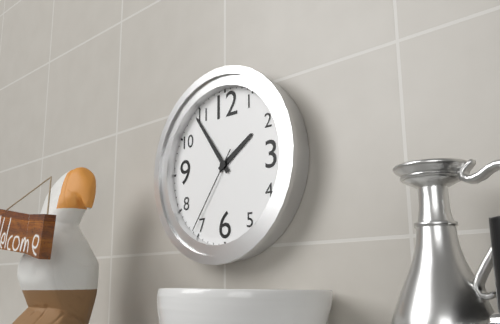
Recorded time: 1.54.36
